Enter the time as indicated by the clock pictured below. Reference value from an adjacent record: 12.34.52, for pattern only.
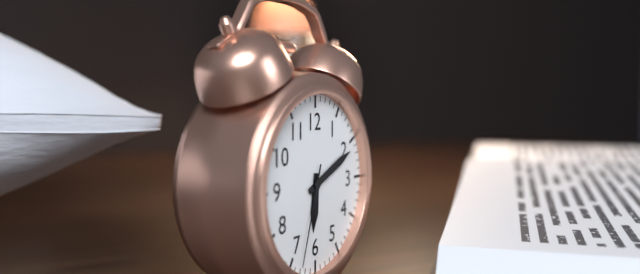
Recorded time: 6.11.33
